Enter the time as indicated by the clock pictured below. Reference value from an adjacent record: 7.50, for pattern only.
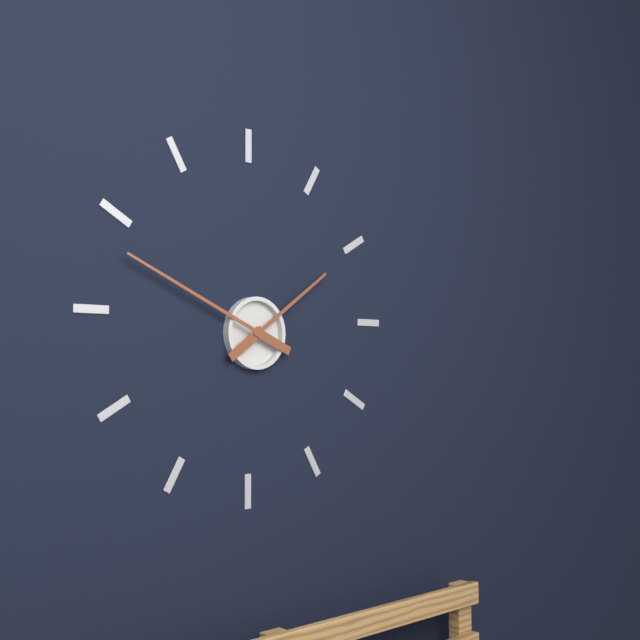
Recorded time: 1.49
